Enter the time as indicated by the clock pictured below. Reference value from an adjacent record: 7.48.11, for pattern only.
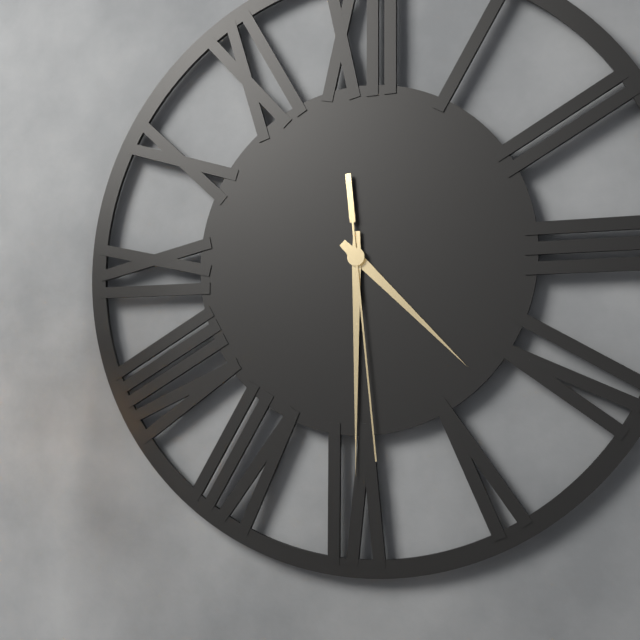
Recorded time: 4.30.29
